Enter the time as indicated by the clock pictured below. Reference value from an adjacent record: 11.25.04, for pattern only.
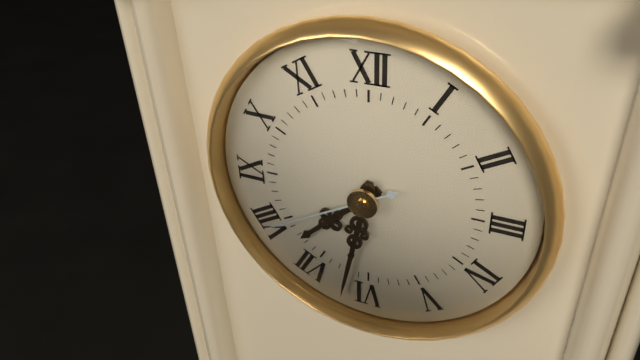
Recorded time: 7.32.40
